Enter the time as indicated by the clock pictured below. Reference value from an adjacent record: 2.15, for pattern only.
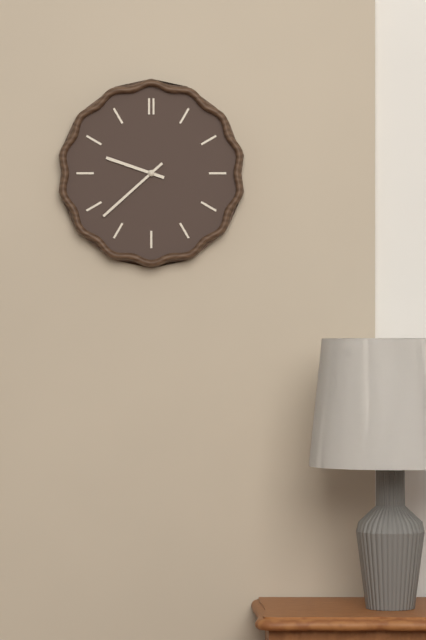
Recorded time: 9.38
